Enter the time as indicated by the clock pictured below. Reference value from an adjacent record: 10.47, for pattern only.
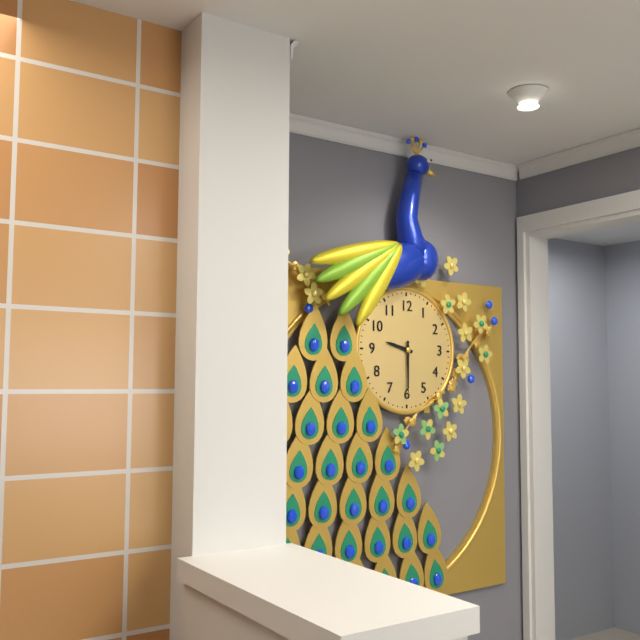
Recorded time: 9.30
